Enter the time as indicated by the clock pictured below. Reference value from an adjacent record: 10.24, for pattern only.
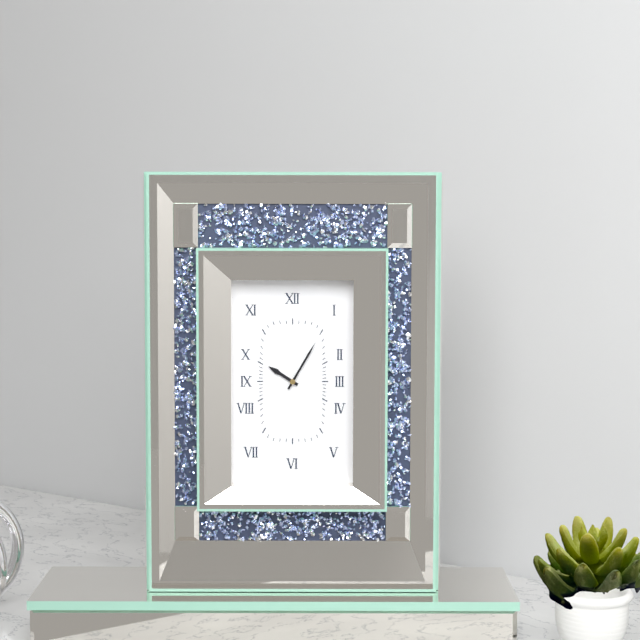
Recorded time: 10.05
